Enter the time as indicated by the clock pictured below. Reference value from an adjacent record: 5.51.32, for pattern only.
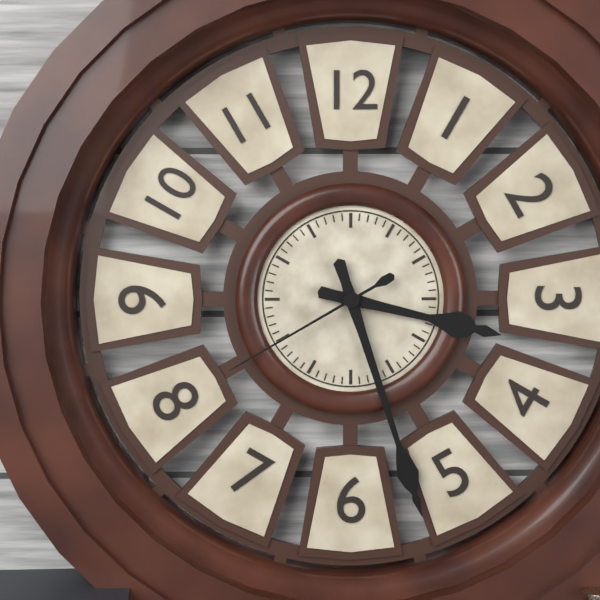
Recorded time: 3.27.40
